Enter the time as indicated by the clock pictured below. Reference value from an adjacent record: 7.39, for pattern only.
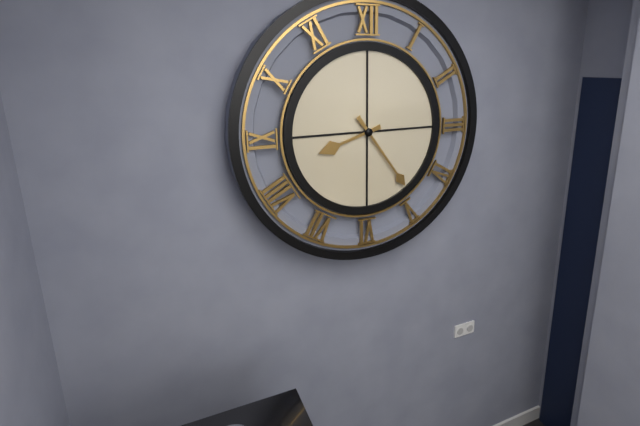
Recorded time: 8.24
